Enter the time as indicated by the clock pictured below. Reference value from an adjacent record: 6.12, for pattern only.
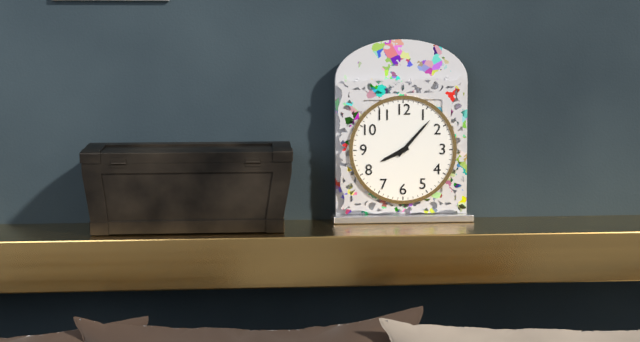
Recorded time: 8.07
